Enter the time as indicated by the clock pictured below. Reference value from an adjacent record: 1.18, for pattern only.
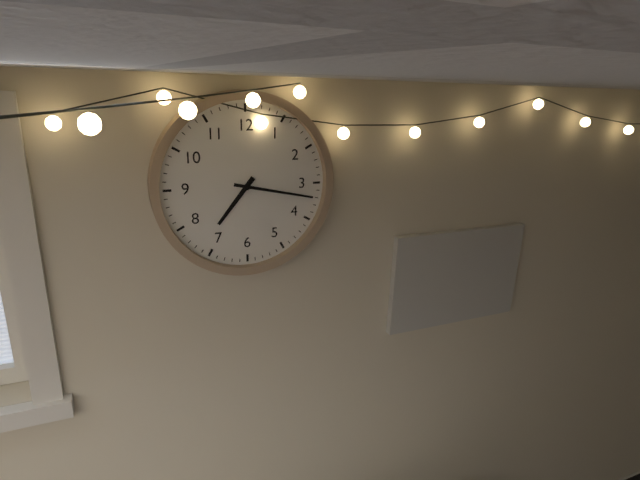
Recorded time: 7.17
